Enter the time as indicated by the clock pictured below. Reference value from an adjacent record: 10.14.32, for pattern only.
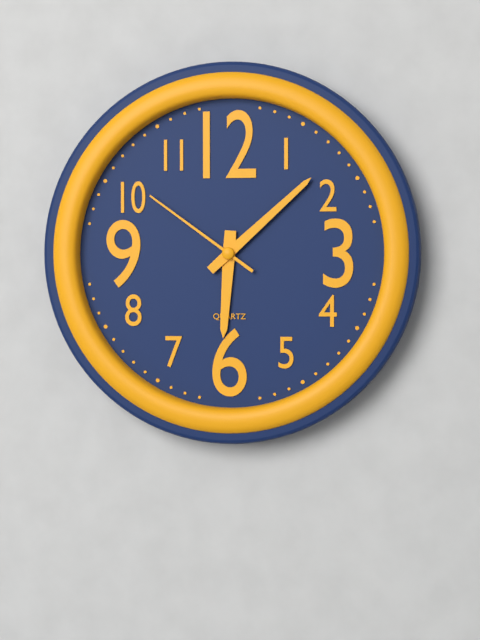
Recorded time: 6.08.51
